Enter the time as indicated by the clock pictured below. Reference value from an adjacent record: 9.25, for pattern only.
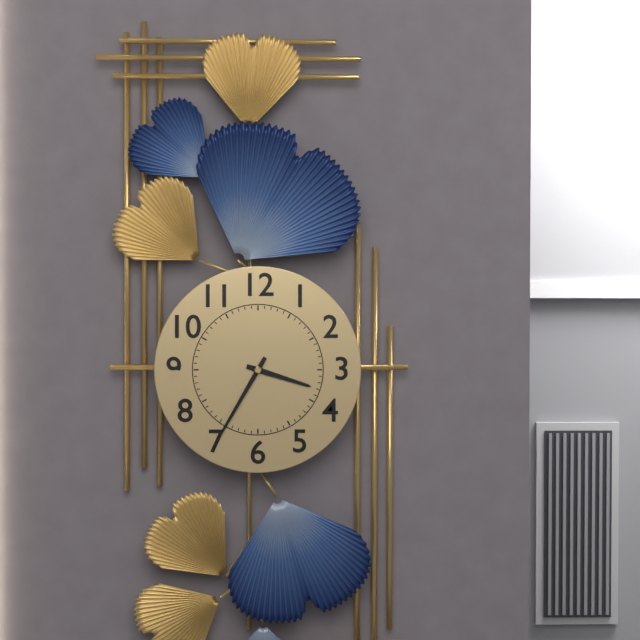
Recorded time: 3.35
